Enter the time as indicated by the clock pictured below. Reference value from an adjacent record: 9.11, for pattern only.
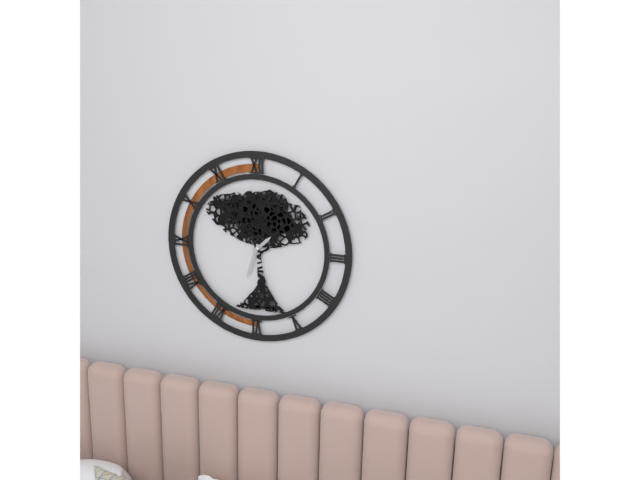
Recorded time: 1.33
